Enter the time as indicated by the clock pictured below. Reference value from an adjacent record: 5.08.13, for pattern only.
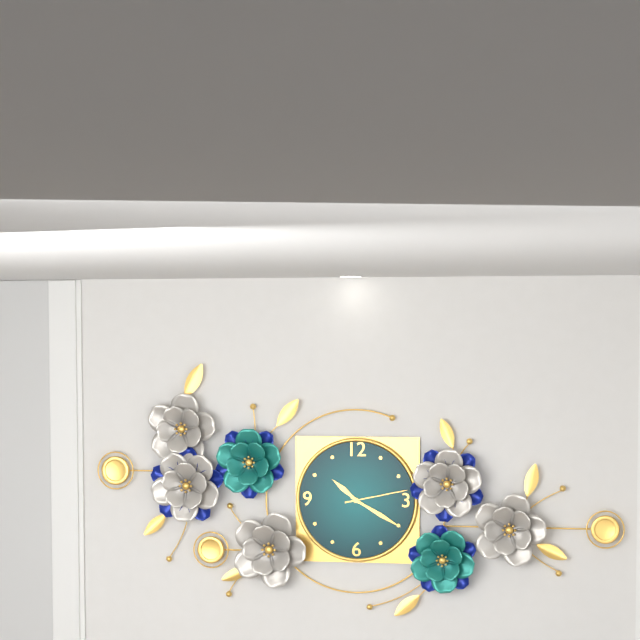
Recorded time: 10.20.13
